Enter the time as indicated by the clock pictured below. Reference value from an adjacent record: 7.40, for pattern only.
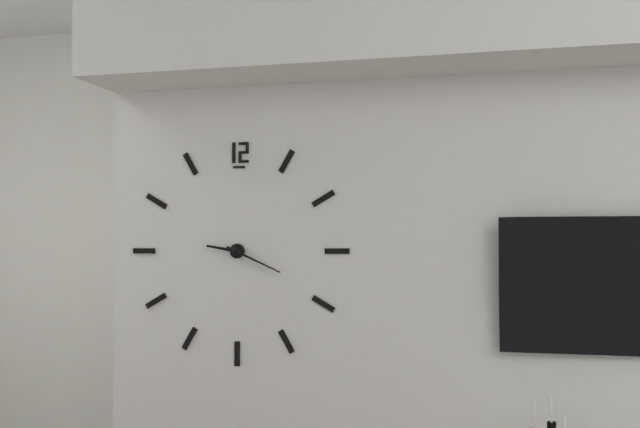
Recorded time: 9.19
